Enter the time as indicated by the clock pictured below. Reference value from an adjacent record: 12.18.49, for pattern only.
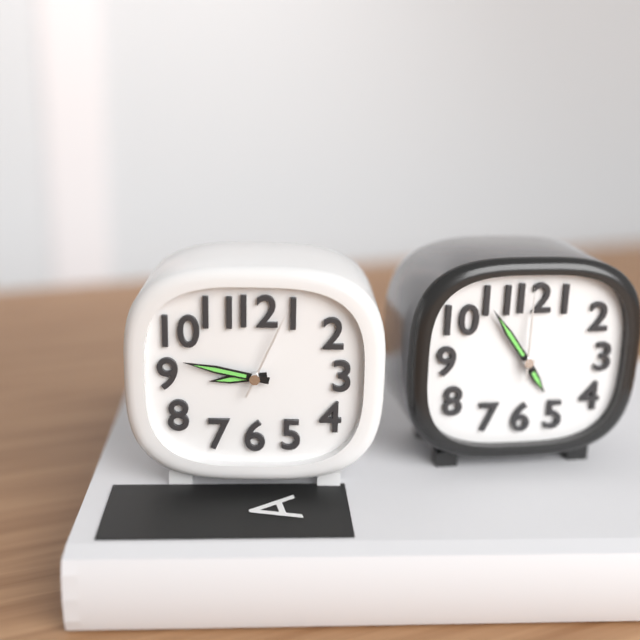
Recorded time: 8.47.04
